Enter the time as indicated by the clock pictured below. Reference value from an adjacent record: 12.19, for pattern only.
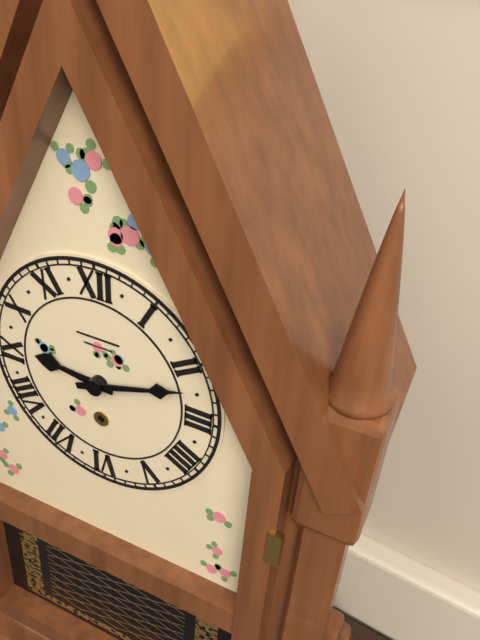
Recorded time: 9.12
